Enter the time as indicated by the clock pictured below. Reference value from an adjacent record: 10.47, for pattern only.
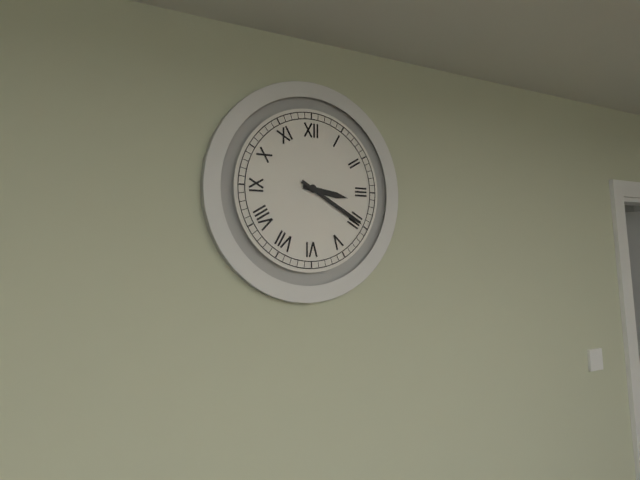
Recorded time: 3.20
